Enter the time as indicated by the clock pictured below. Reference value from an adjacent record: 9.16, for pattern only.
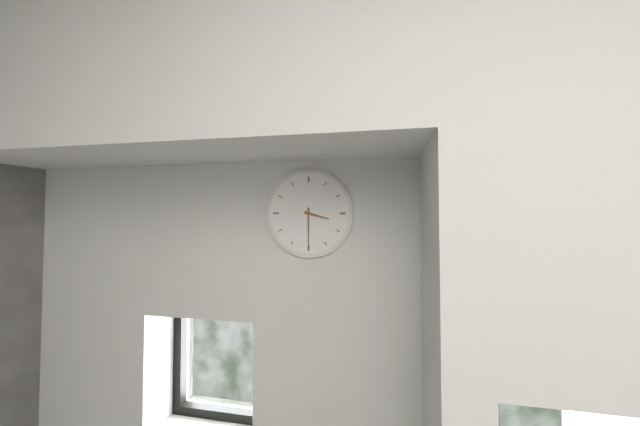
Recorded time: 3.30
